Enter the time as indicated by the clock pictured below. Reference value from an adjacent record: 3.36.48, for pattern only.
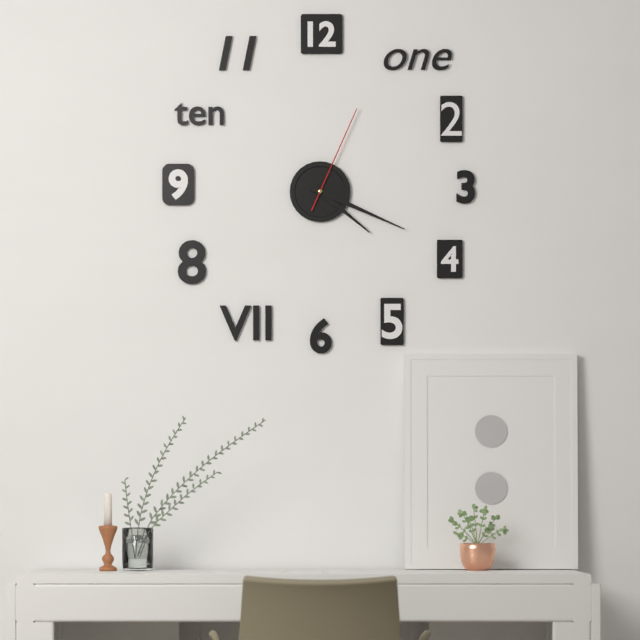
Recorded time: 4.19.04
